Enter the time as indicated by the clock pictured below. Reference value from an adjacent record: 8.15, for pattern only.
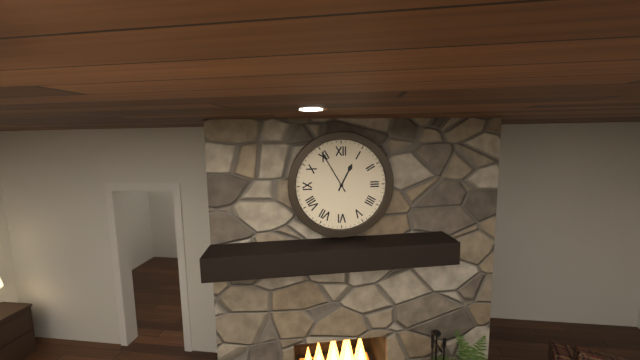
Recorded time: 12.55
